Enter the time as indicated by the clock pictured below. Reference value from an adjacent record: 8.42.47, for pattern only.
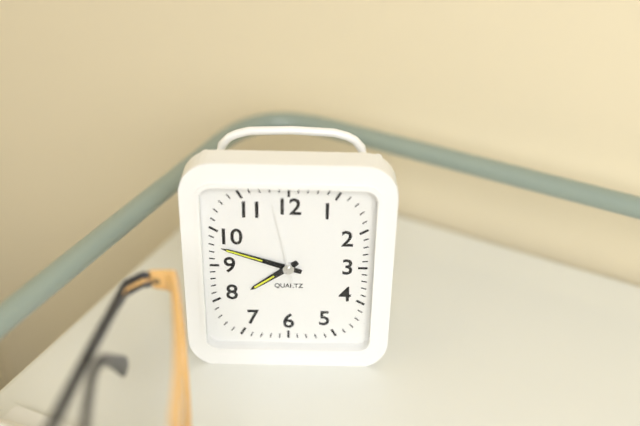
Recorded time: 7.48.58
